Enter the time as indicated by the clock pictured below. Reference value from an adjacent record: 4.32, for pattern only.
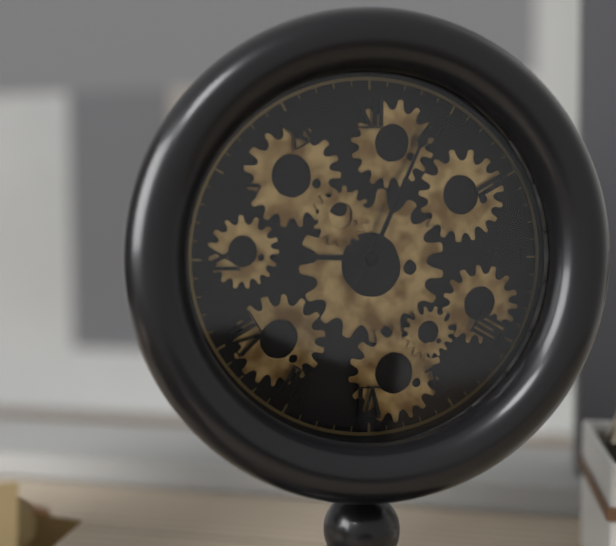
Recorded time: 9.04
